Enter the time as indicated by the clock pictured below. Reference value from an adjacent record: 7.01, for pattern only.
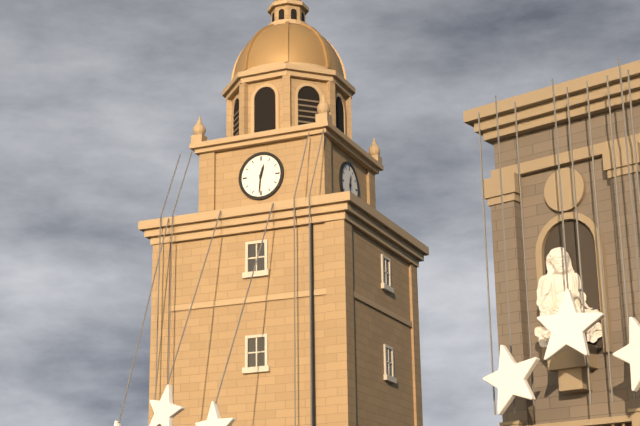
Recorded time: 12.31
